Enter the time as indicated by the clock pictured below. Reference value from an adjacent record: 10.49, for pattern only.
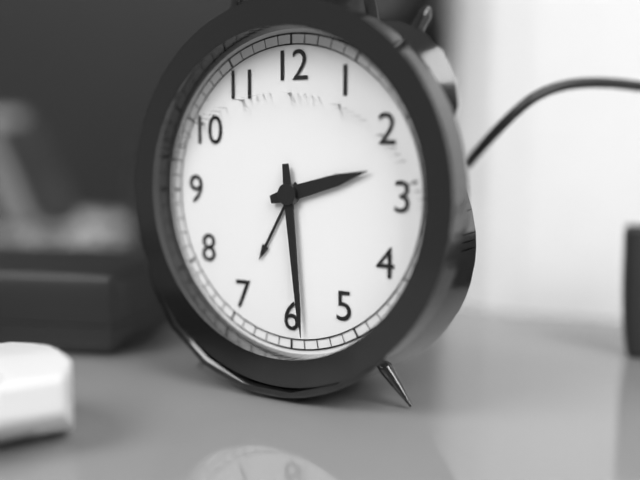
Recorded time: 2.29
